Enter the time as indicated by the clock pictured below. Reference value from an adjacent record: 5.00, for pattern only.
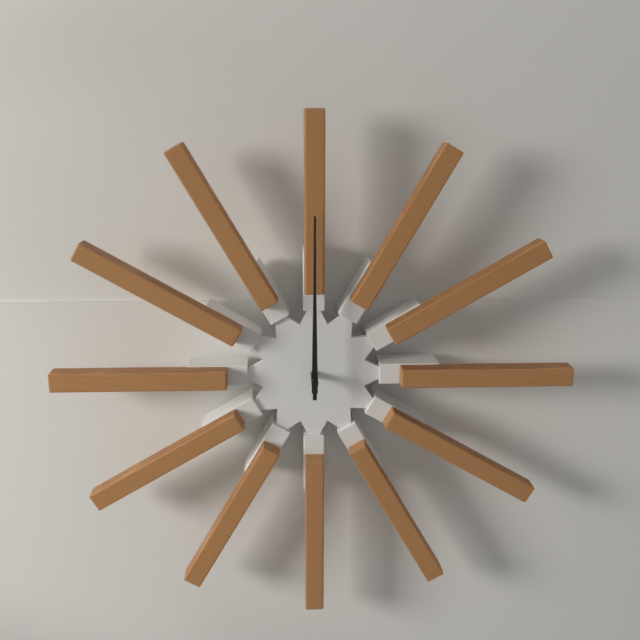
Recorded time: 12.00
